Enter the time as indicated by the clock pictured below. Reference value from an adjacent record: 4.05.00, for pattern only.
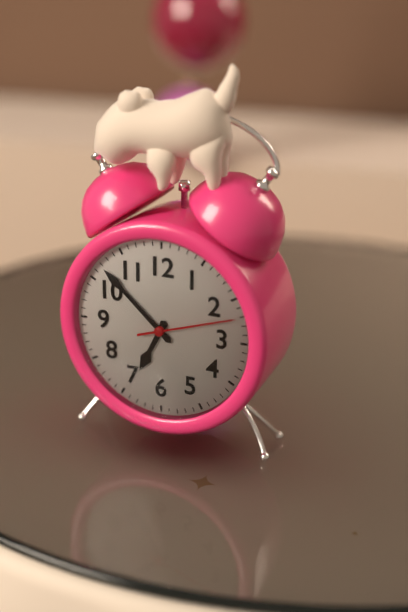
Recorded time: 6.52.12
